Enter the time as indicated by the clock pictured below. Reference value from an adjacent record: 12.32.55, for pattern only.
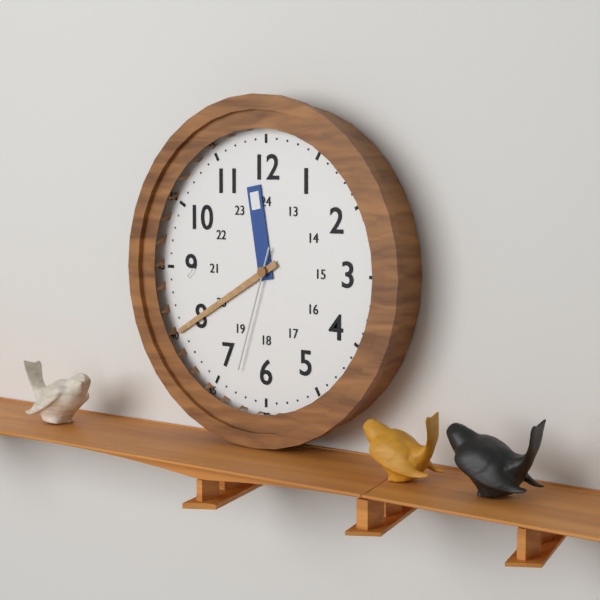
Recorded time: 11.40.33
